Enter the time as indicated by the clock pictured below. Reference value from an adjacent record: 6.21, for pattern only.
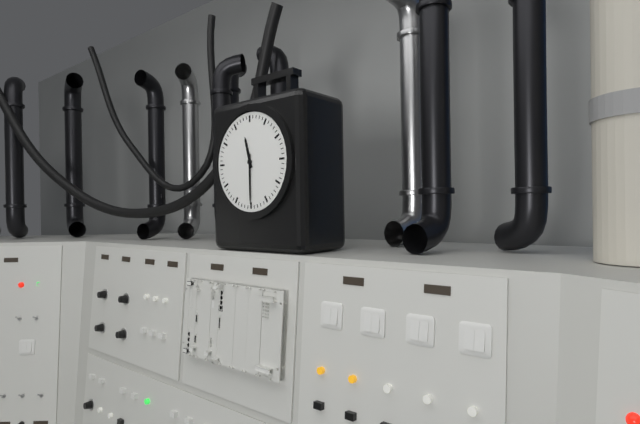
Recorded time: 11.30
